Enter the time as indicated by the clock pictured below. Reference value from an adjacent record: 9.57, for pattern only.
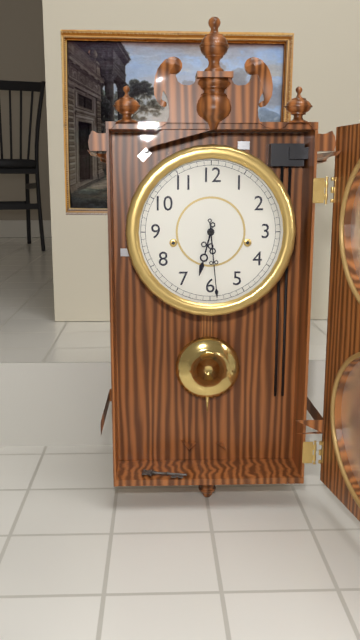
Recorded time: 6.29
